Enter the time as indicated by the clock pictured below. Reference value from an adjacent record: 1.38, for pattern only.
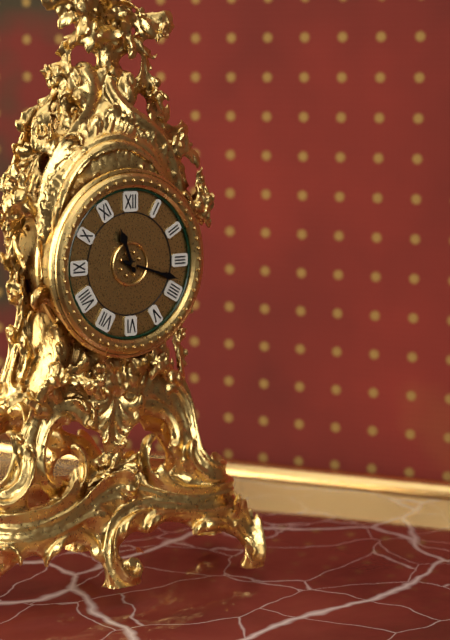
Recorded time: 11.18
